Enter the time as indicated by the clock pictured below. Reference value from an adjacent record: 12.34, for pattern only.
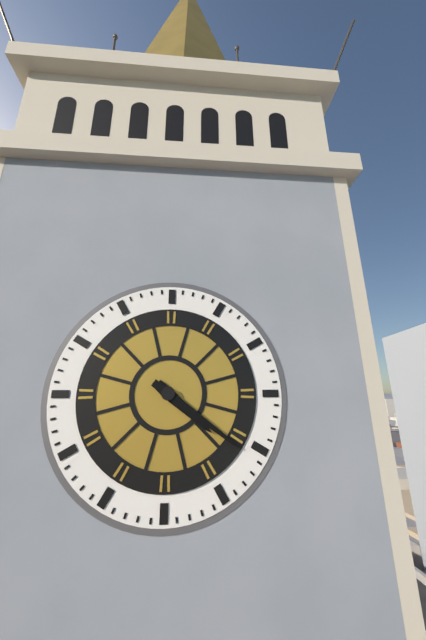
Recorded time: 4.21
